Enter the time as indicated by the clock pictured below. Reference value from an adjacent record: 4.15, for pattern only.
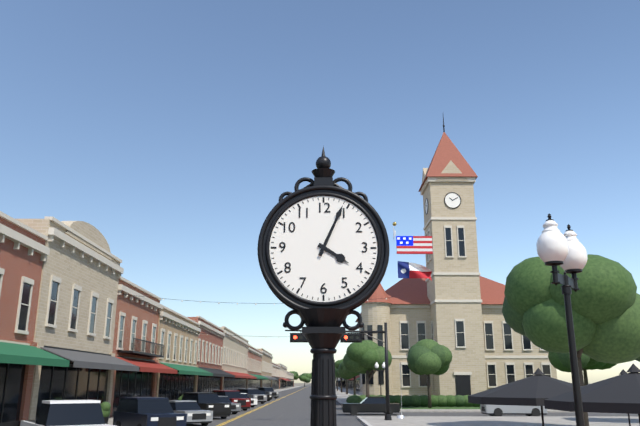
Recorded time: 4.04
